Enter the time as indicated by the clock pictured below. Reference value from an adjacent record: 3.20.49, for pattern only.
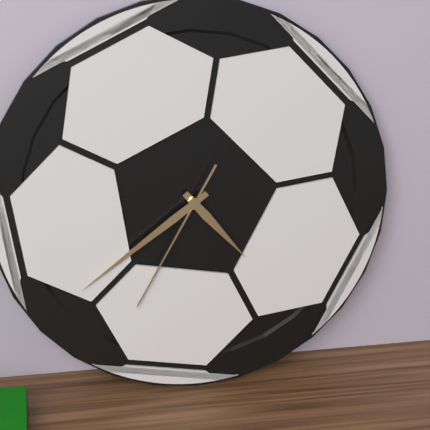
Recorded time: 4.39.35
